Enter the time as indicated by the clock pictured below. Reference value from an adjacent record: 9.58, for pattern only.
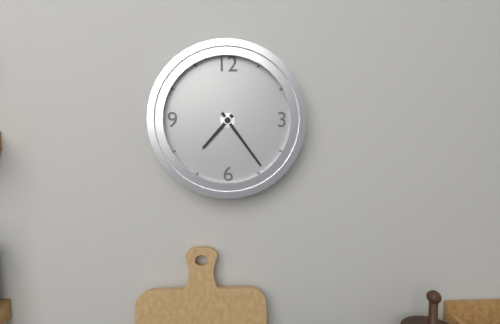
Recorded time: 7.24
